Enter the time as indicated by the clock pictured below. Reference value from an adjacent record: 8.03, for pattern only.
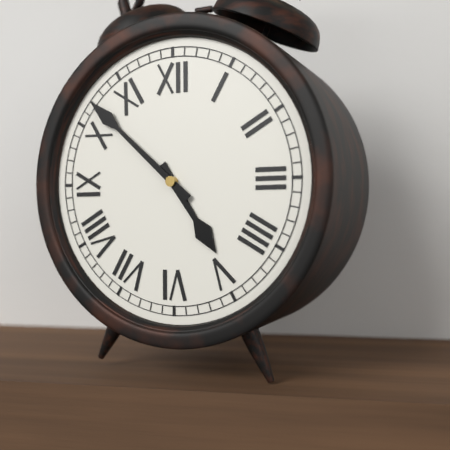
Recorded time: 4.52
